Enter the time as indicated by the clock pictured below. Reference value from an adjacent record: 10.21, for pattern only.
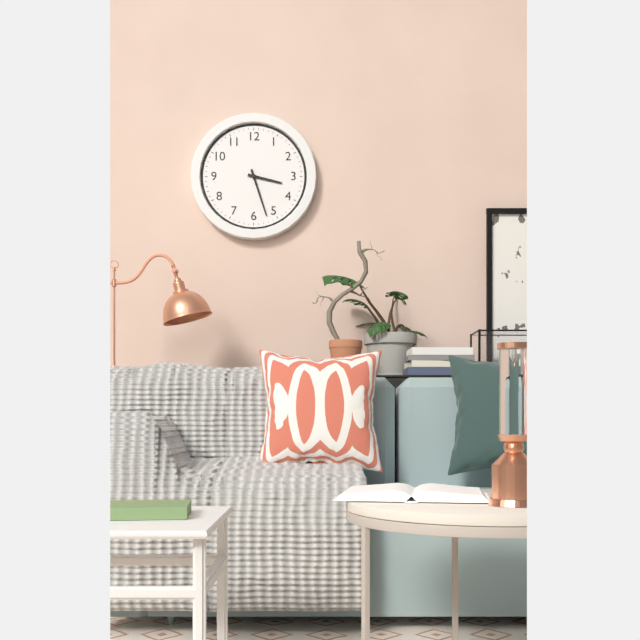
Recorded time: 3.27
